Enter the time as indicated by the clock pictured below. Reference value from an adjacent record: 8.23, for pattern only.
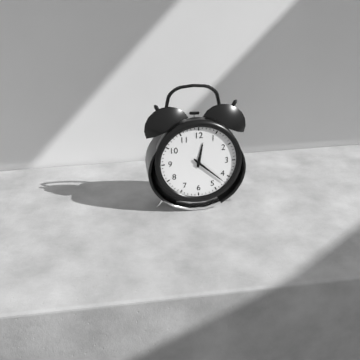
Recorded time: 12.22
